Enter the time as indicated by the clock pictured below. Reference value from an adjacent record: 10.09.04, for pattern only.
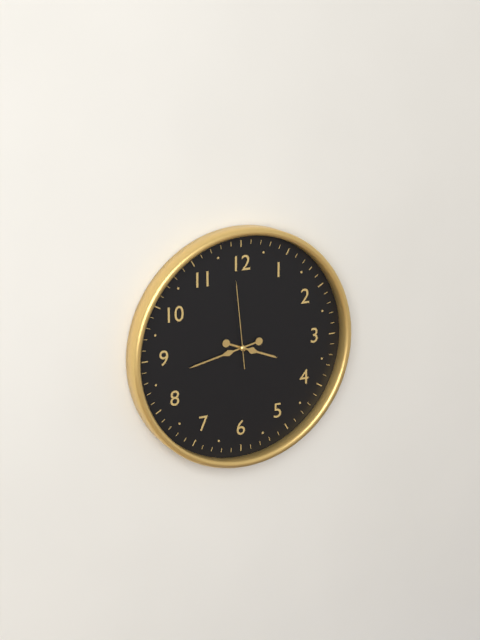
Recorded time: 3.43.59
